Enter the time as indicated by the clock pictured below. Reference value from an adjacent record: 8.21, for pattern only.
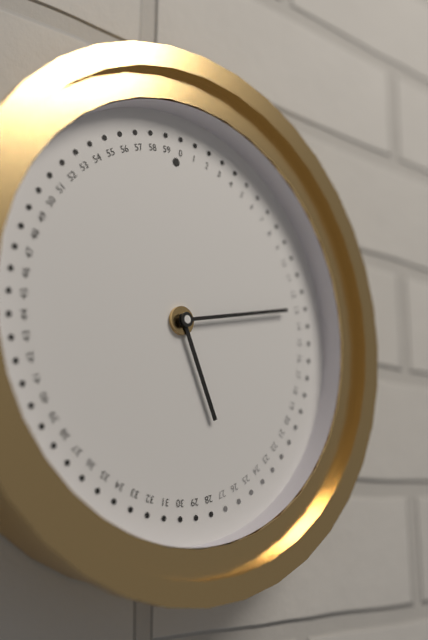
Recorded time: 5.13
